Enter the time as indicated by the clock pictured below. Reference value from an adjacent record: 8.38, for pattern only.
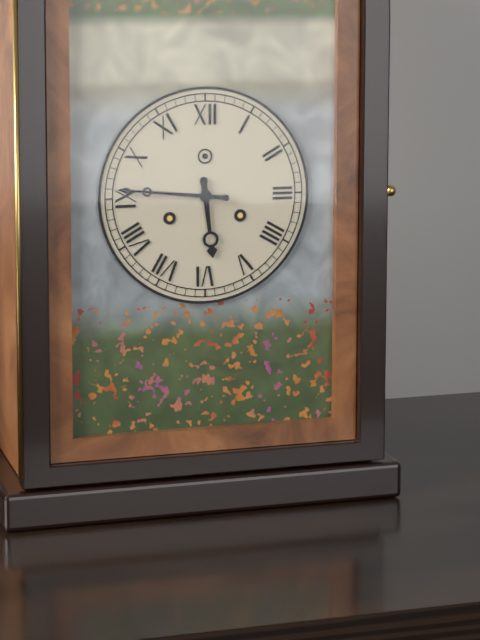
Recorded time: 5.46
